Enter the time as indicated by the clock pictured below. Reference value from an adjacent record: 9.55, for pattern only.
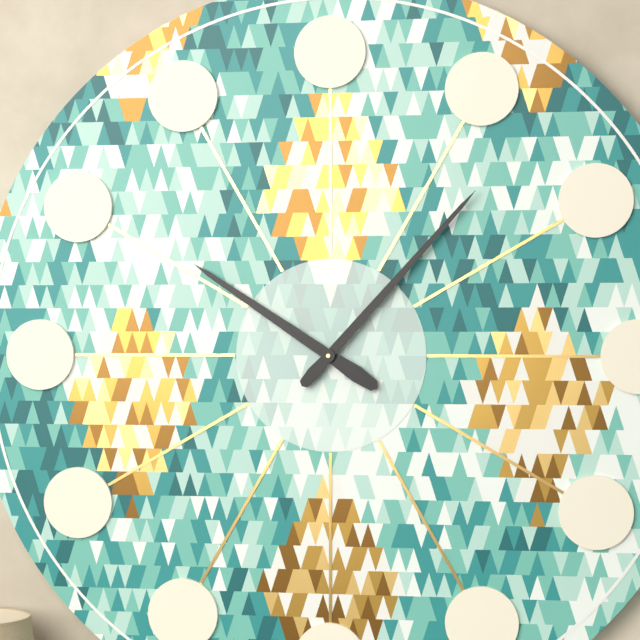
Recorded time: 10.07
